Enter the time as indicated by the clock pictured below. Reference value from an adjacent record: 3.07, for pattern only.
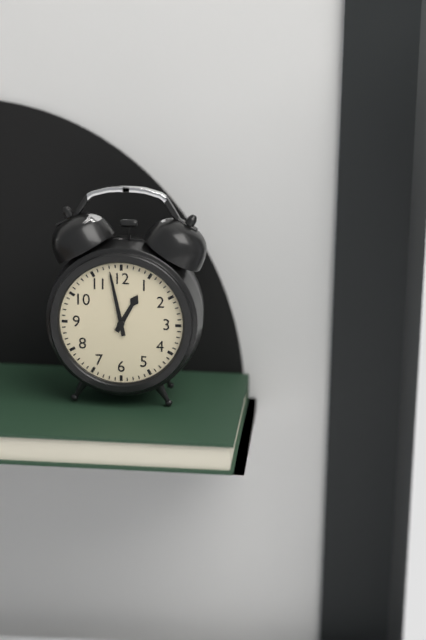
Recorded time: 12.58
